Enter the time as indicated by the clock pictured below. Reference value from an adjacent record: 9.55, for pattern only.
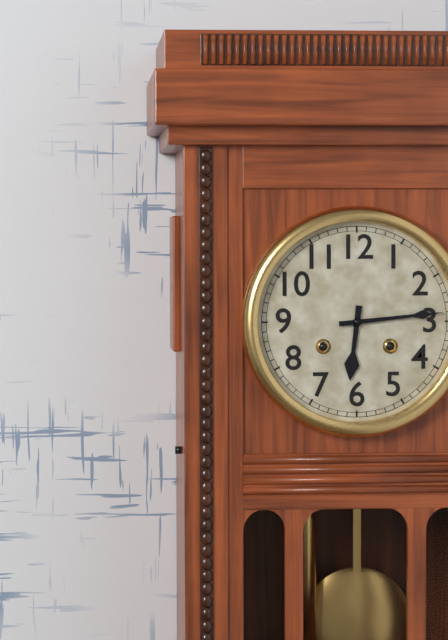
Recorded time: 6.14
